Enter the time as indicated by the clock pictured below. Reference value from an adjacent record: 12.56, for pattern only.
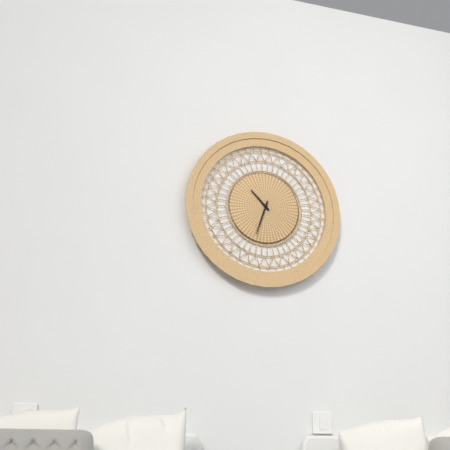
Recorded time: 10.33
